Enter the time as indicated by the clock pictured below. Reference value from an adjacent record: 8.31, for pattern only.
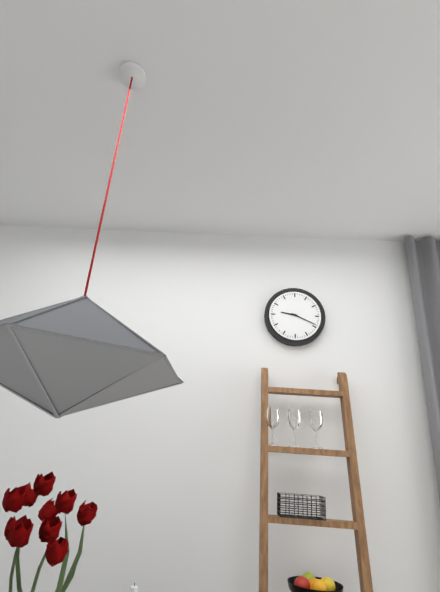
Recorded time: 9.19
